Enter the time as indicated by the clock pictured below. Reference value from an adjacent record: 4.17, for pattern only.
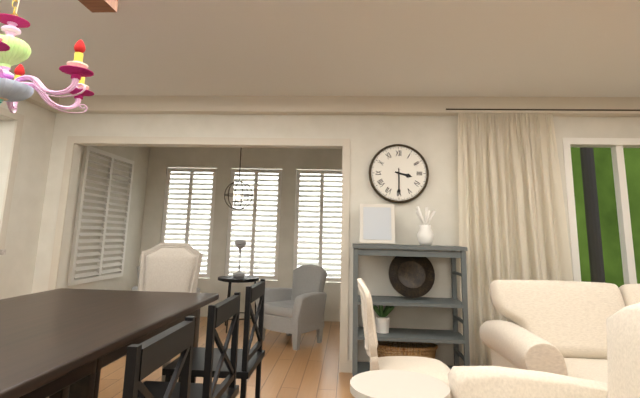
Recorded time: 3.30
